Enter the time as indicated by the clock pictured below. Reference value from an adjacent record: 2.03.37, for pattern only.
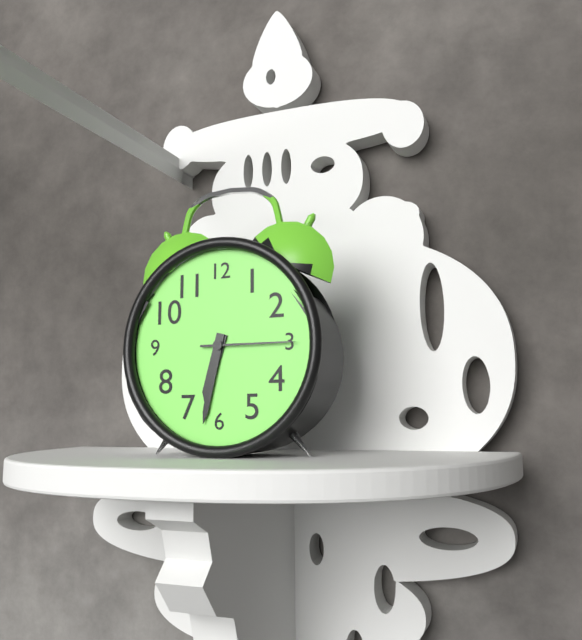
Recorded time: 6.32.15
